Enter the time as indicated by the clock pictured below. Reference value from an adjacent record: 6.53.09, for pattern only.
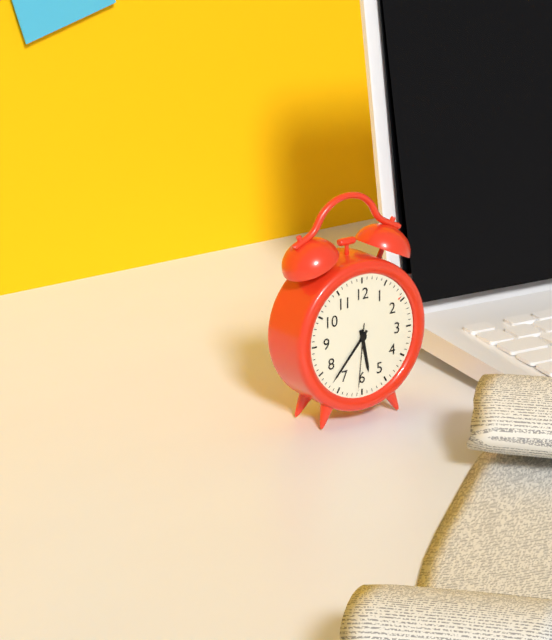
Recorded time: 5.37.31
